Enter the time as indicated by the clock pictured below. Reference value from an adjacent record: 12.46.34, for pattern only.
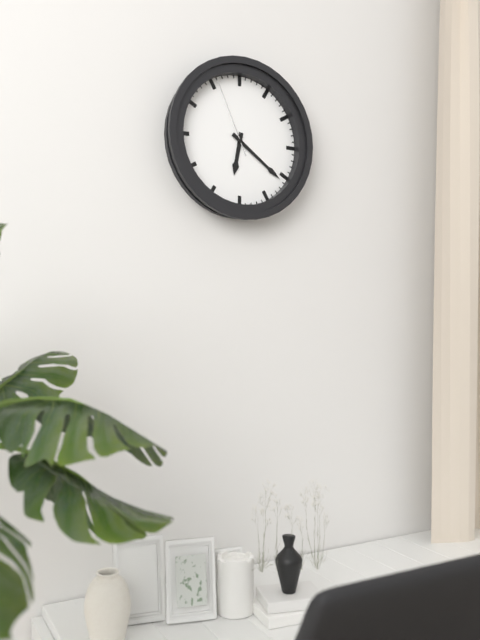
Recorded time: 6.21.56
